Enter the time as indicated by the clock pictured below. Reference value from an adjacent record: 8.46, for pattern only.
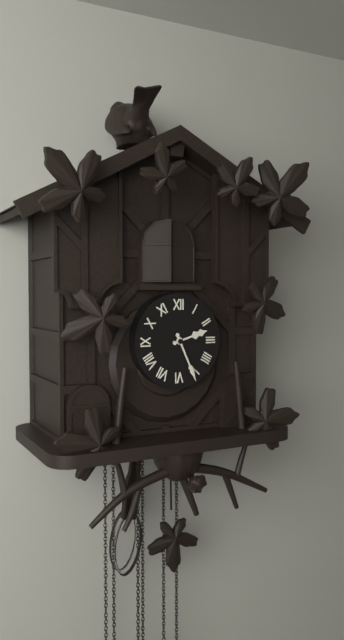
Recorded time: 2.26
